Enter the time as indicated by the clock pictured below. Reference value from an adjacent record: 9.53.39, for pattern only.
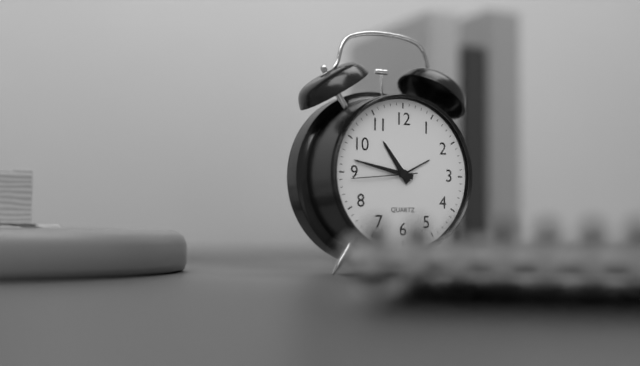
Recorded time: 10.47.44
